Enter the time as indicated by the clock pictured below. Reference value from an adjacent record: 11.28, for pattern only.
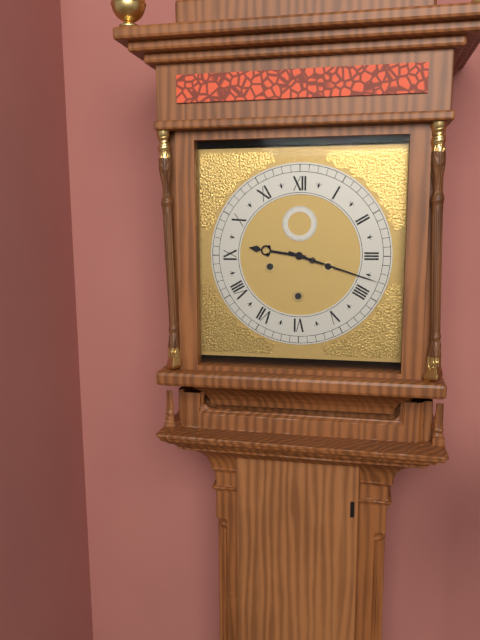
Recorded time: 9.18
